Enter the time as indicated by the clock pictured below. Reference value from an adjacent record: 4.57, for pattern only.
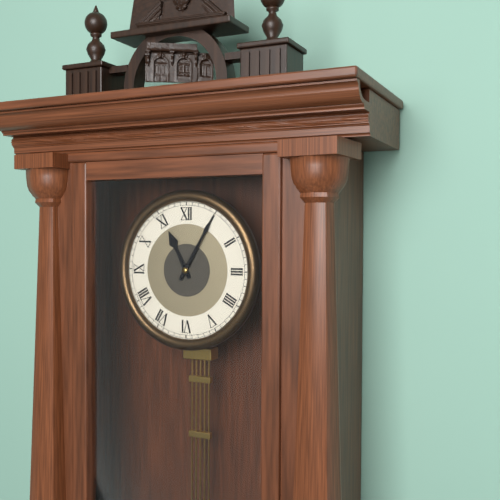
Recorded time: 11.05
